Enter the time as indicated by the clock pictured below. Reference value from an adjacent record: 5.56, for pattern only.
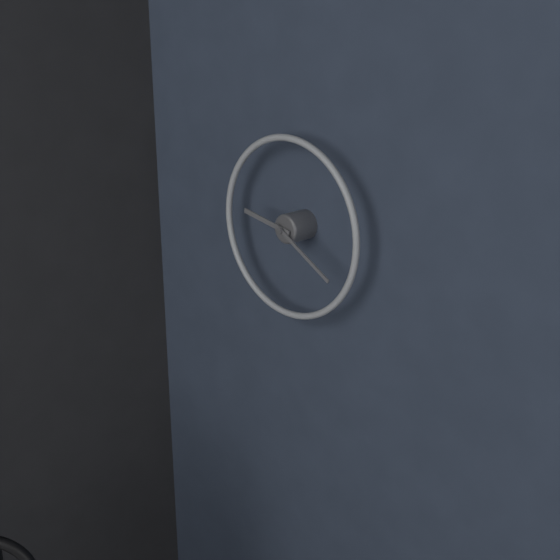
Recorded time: 9.20
